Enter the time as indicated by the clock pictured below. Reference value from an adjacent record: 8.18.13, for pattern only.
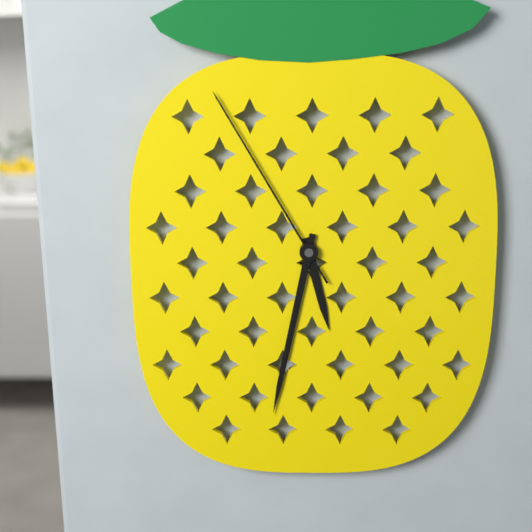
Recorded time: 5.32.55
